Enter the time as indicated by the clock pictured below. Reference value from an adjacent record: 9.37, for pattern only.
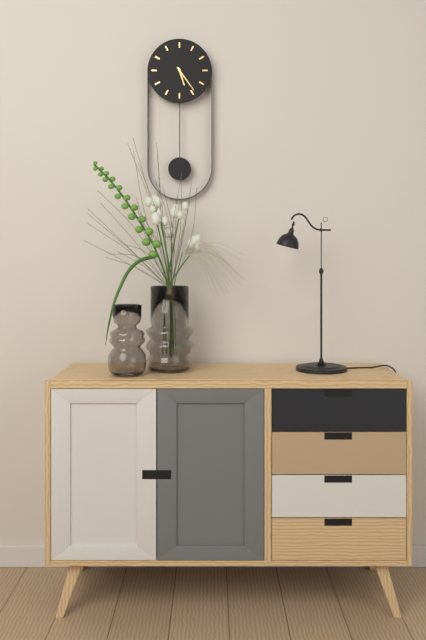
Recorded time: 5.24
